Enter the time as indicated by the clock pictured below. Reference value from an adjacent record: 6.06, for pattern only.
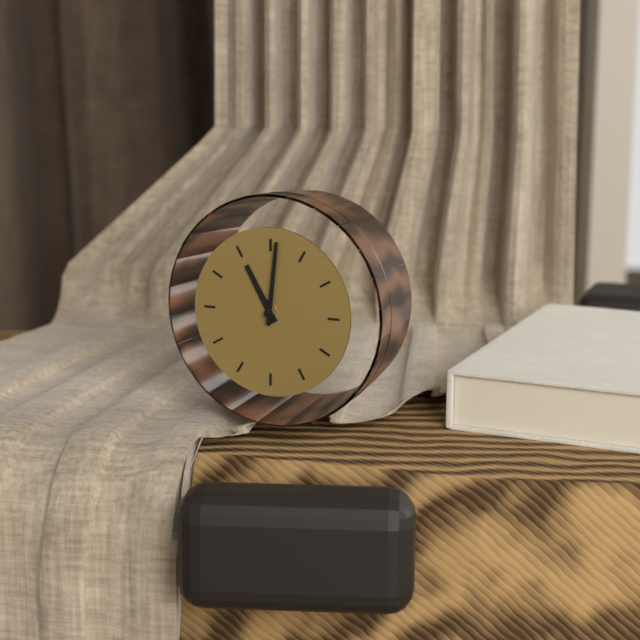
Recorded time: 11.01
